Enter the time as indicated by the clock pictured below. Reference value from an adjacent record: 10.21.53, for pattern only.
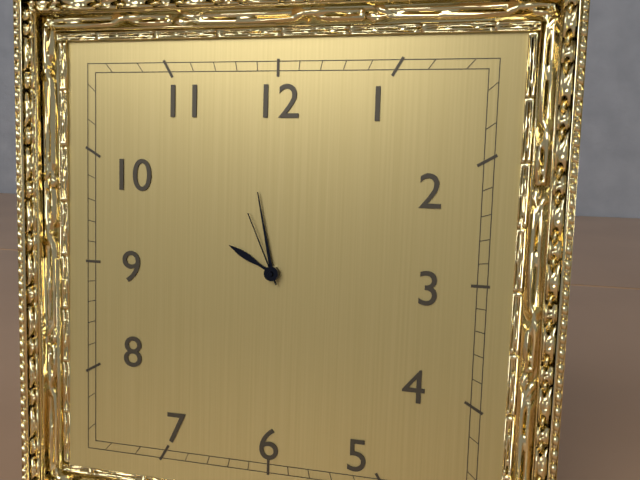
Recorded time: 9.58.56
